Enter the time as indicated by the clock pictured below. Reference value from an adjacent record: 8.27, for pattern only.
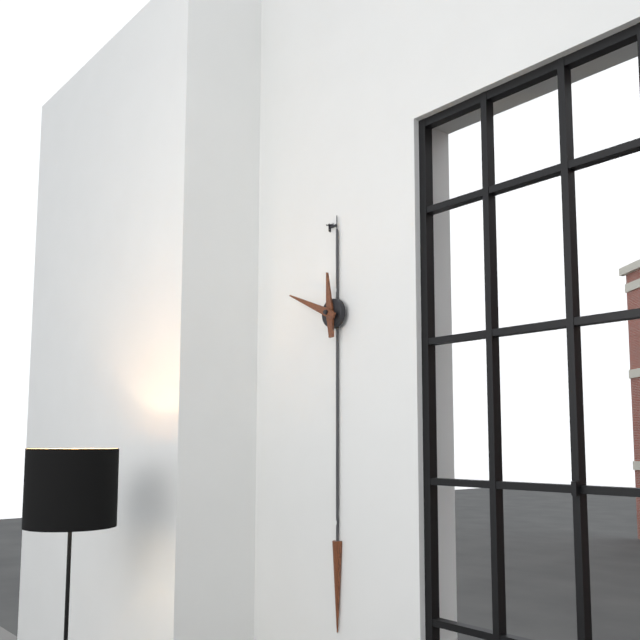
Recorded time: 11.49
